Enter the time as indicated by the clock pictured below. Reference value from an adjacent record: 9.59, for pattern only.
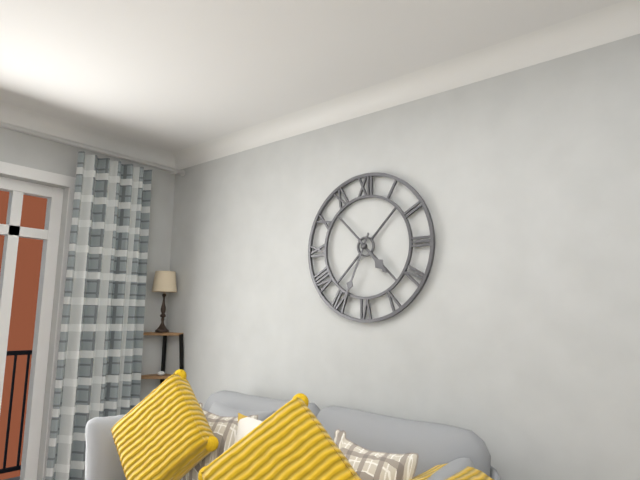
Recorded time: 4.34
